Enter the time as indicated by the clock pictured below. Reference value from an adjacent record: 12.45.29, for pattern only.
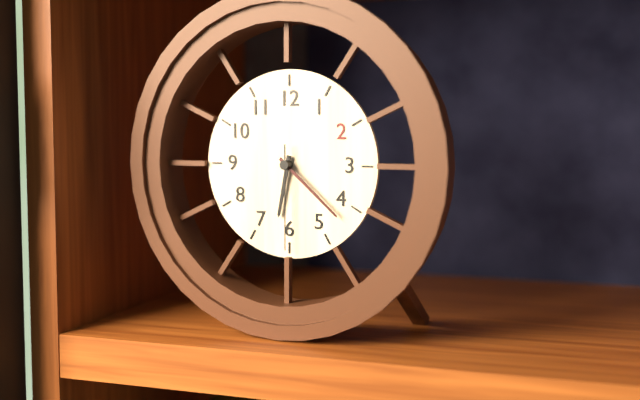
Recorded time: 6.22.30
